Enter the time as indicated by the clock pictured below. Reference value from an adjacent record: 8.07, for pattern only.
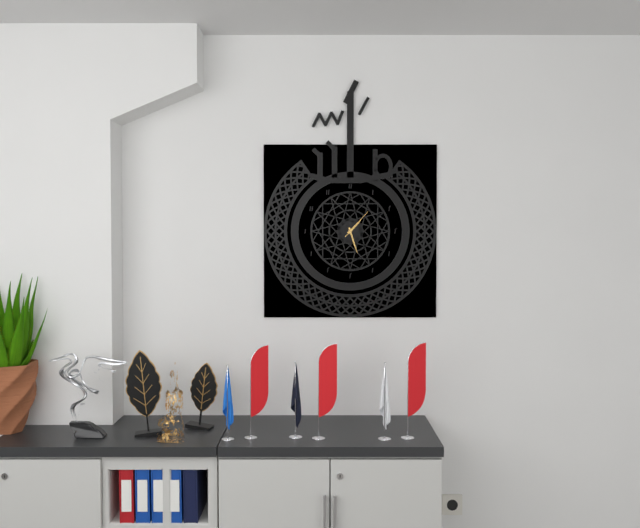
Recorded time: 1.27
